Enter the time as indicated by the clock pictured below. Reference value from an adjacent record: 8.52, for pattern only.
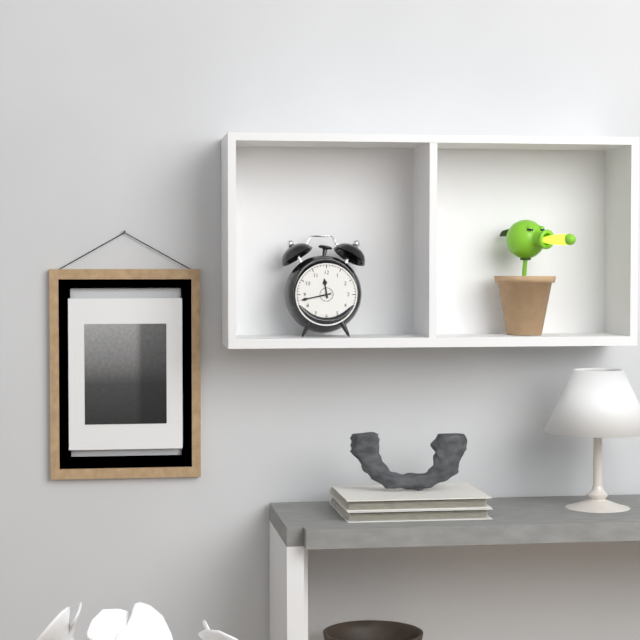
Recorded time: 11.43
